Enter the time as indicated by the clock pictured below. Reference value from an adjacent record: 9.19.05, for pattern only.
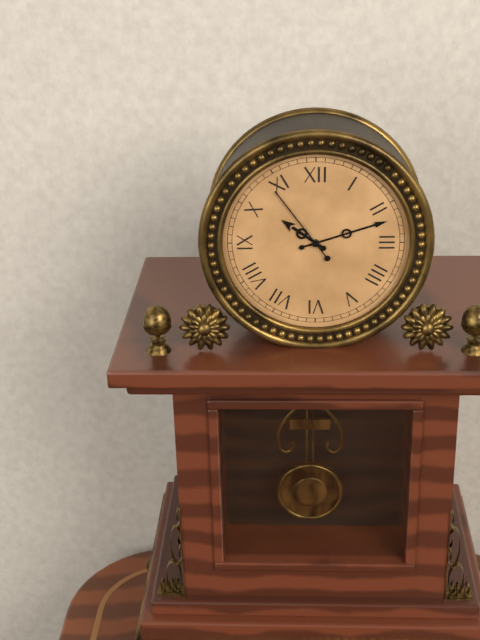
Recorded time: 10.12.54
